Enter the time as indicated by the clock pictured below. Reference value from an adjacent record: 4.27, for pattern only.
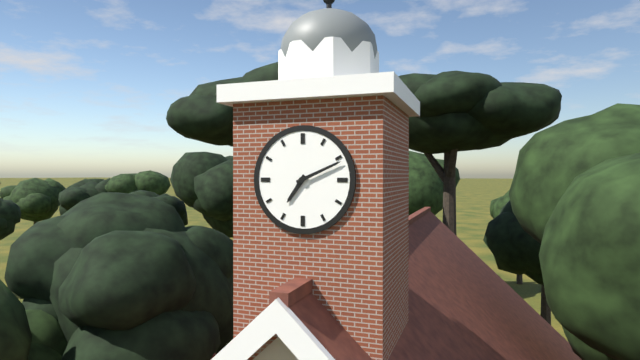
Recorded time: 7.11
